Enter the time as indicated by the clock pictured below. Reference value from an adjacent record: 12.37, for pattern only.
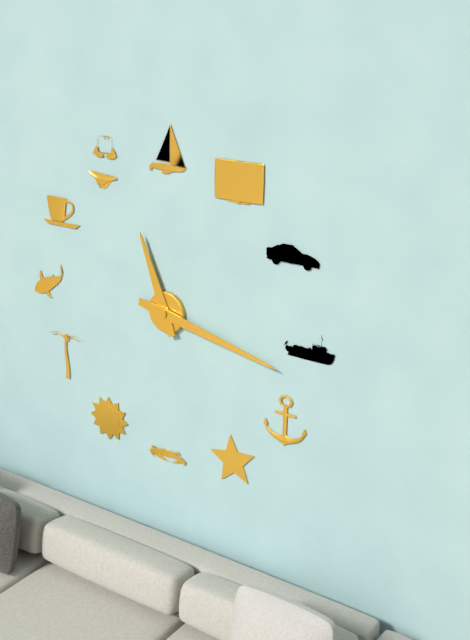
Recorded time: 11.17
